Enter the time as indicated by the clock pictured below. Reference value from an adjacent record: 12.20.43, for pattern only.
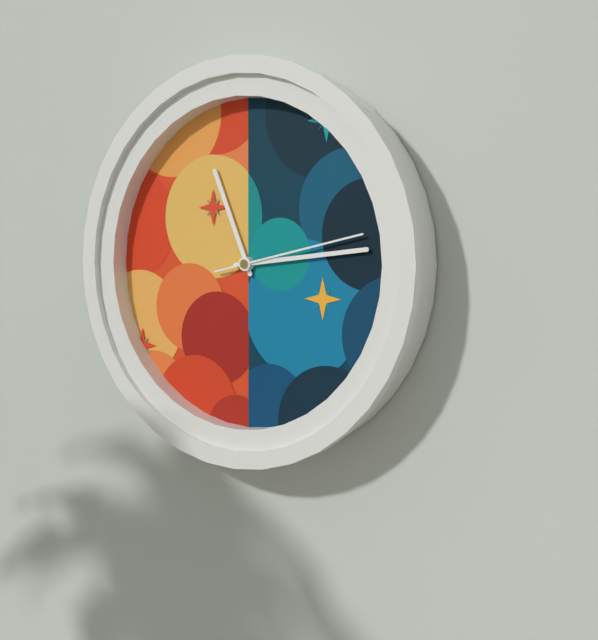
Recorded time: 11.14.13
